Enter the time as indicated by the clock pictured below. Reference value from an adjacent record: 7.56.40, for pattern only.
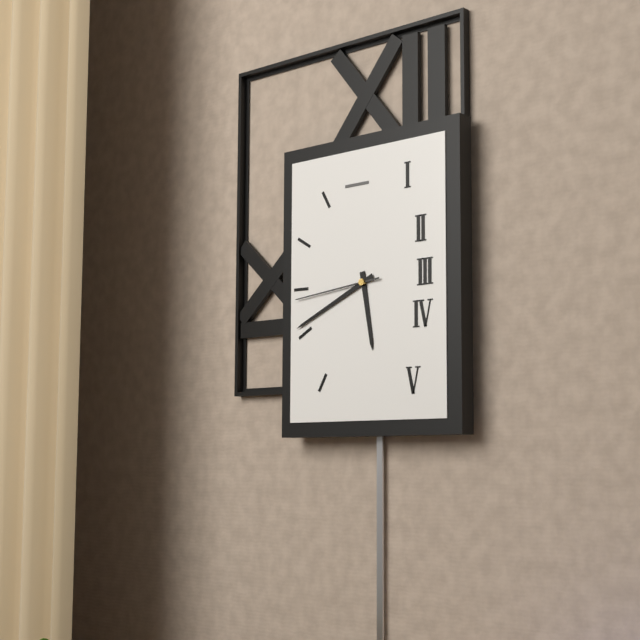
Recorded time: 5.41.44
